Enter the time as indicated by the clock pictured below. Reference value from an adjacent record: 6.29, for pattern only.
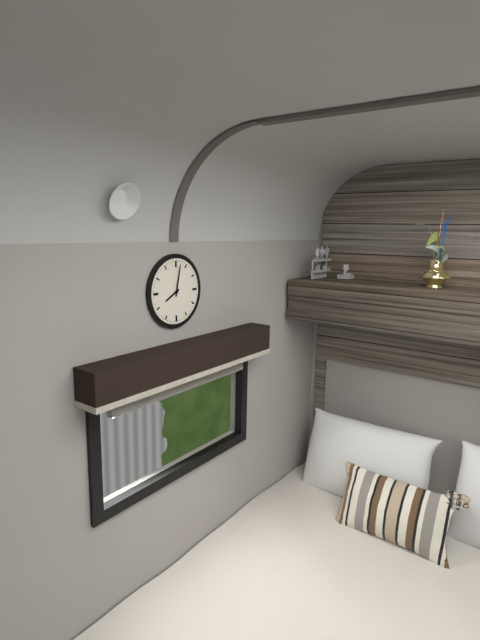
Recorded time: 8.02
